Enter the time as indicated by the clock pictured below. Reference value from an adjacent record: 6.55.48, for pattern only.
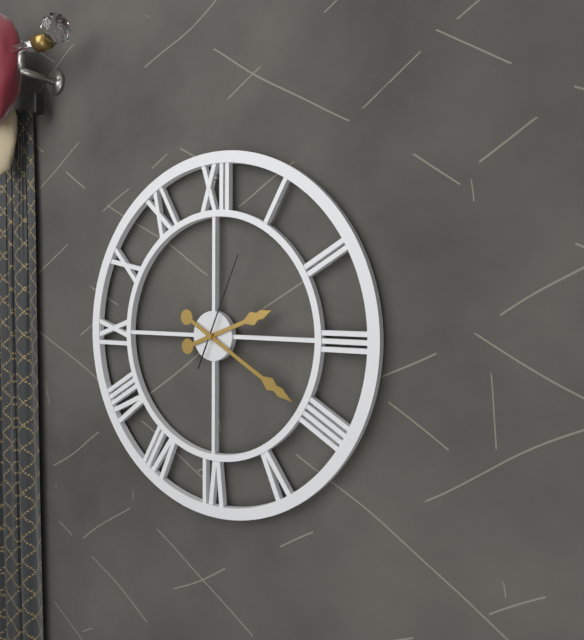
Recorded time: 2.20.04
